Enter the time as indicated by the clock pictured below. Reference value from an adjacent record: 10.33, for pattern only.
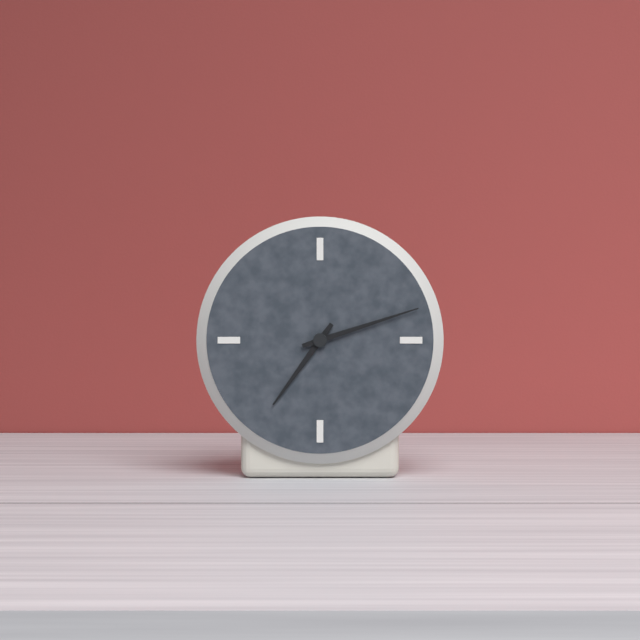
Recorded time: 7.12
